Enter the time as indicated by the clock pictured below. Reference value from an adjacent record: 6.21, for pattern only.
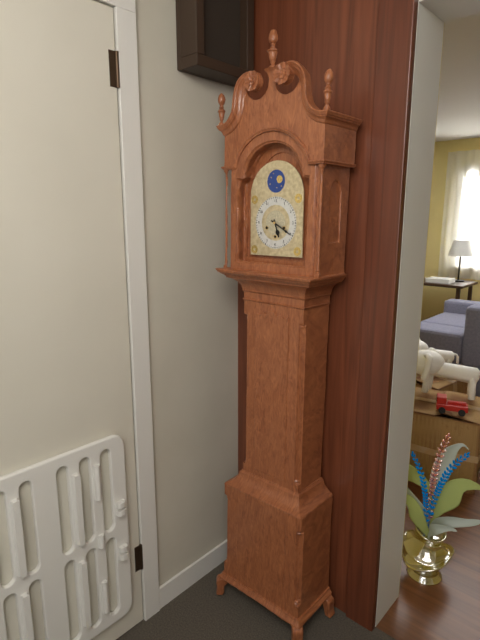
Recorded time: 5.20
